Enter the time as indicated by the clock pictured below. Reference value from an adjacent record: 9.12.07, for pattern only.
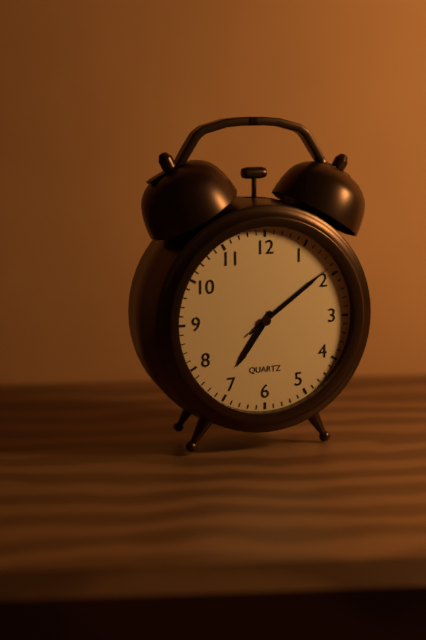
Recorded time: 7.09.09
